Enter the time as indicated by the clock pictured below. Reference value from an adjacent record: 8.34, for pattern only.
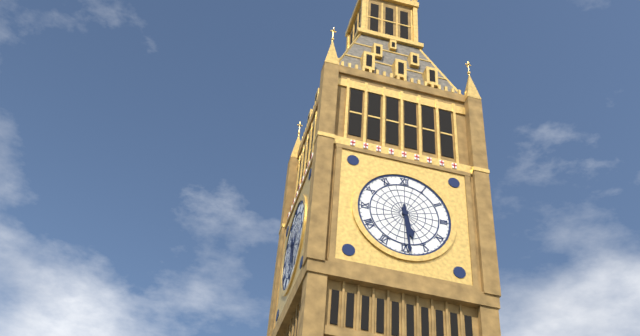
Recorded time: 5.29
